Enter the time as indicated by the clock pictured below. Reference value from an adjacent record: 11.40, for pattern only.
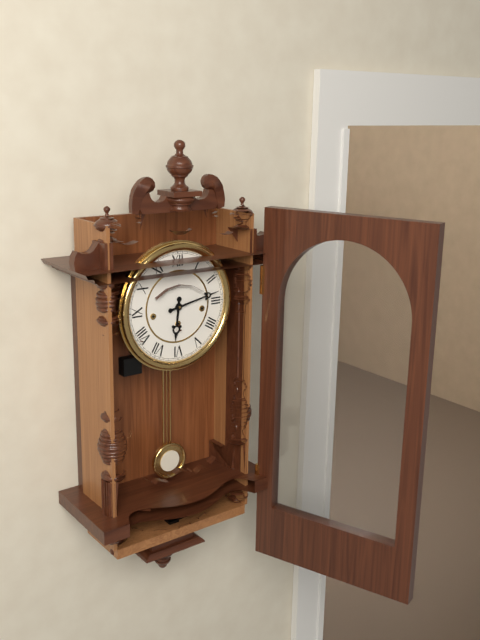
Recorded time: 6.13
